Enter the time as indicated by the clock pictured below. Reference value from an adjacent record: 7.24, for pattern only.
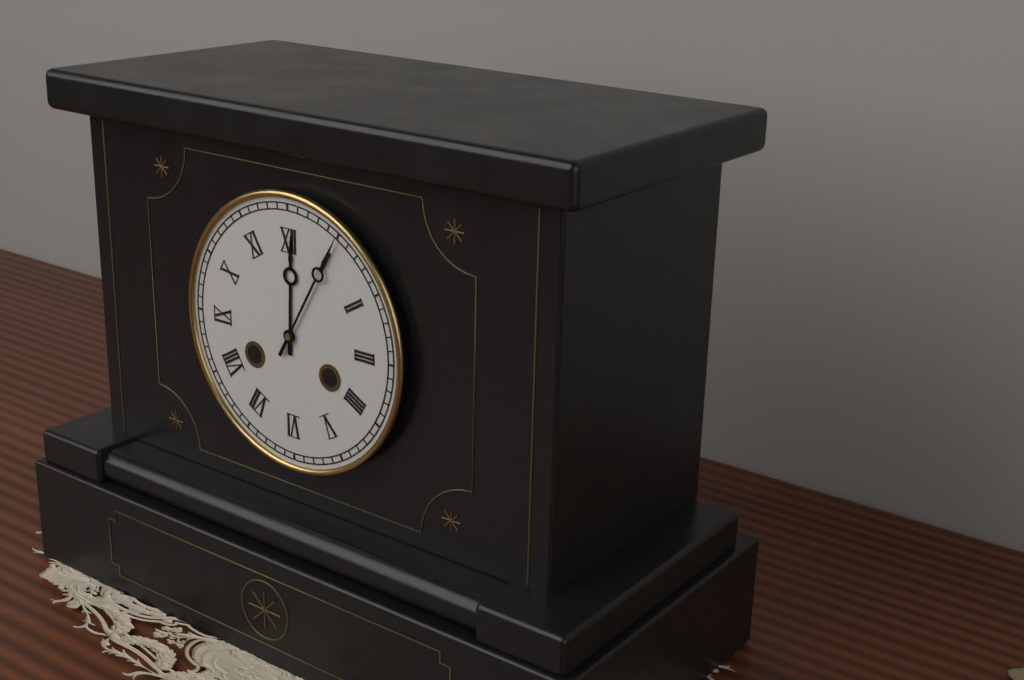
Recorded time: 12.05
